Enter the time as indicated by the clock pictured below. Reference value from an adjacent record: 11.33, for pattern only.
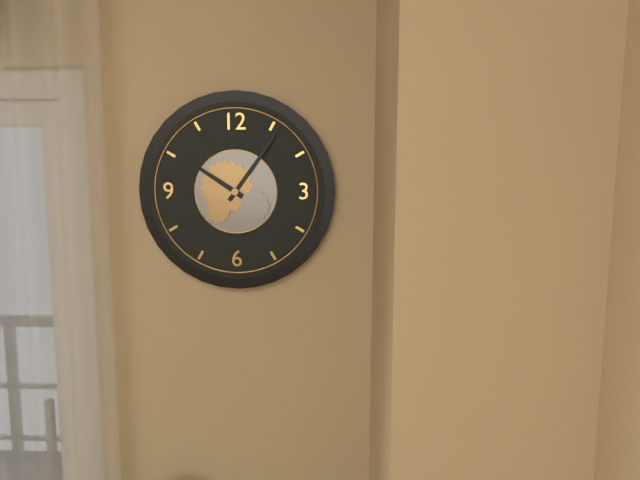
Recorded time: 10.06
